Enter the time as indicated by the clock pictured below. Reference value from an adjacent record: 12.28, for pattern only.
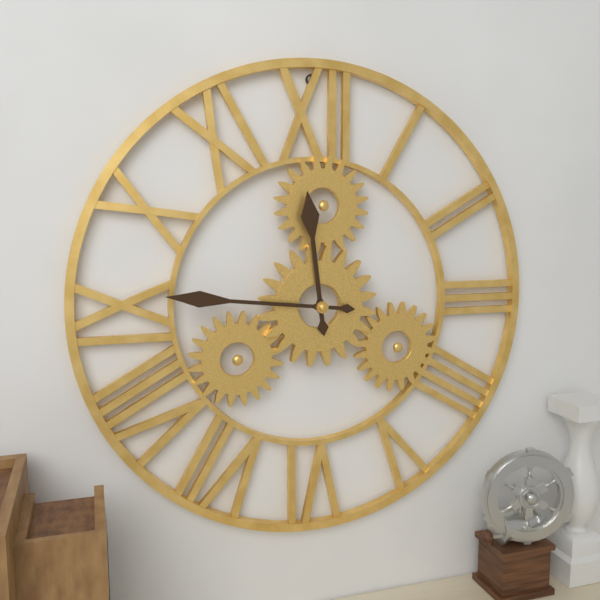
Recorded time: 11.46
